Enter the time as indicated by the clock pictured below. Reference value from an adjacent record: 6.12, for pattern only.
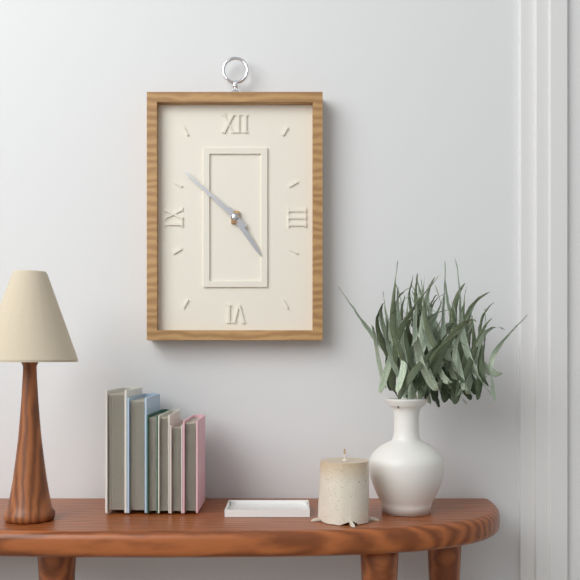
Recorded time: 4.52
